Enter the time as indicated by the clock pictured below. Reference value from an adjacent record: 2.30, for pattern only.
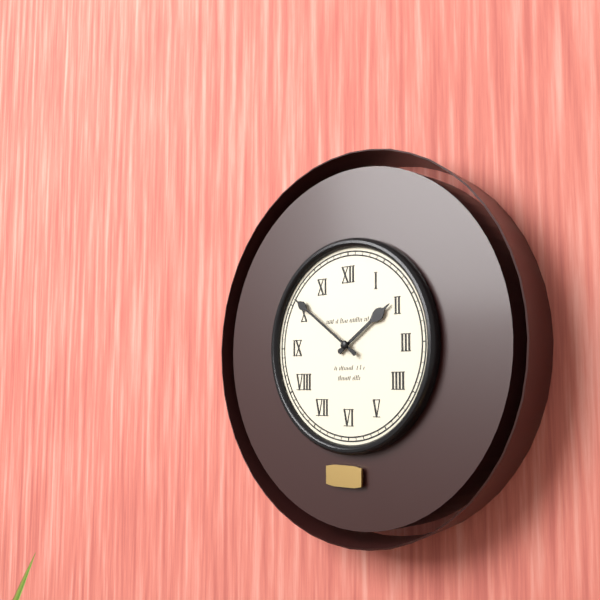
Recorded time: 1.51
